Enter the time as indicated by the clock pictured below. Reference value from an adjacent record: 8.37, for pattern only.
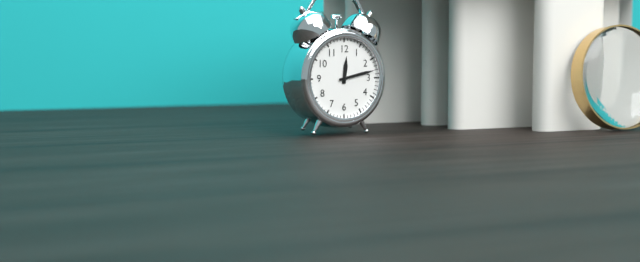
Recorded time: 12.13
